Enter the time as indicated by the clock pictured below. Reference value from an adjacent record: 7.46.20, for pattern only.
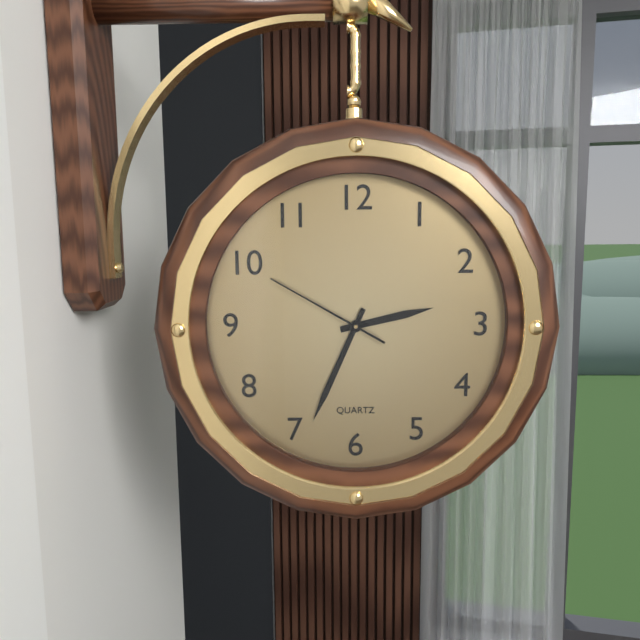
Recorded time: 2.34.50
